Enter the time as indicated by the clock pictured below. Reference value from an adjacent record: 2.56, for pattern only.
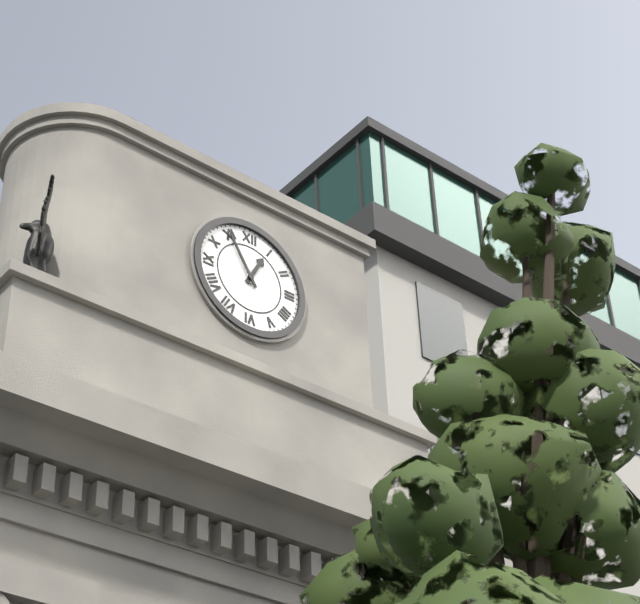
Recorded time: 12.55
